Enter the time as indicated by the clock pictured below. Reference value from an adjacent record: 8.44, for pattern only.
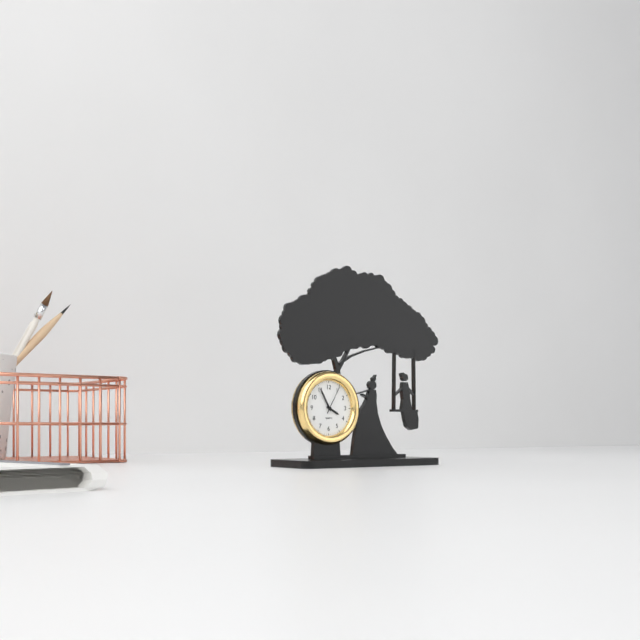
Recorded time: 3.55
